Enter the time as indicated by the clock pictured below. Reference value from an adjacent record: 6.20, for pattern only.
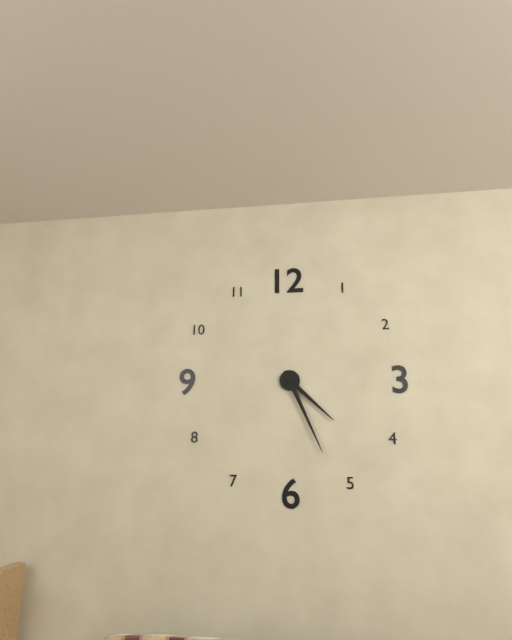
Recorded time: 4.26
